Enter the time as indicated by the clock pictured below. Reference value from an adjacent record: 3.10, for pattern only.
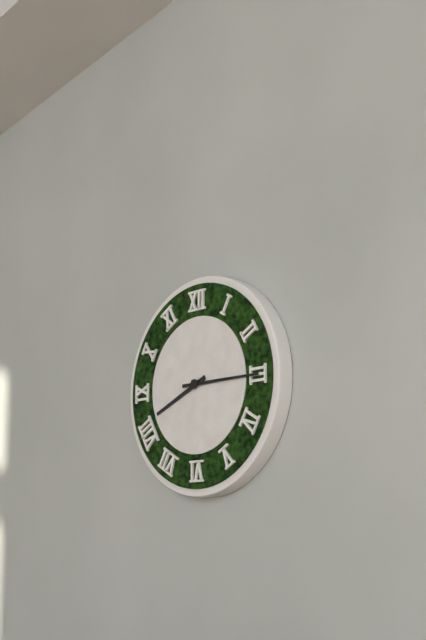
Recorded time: 8.15
